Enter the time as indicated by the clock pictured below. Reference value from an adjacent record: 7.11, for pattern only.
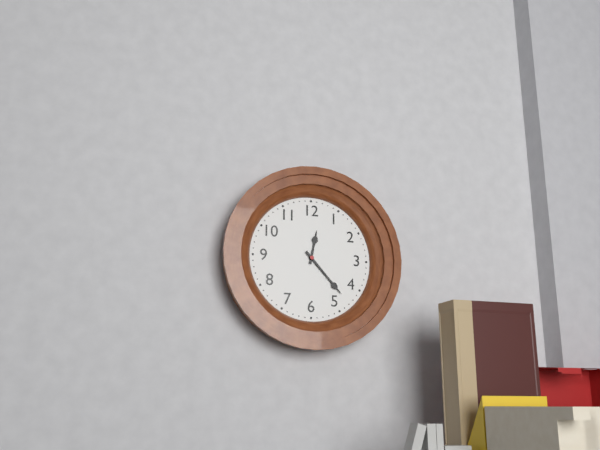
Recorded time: 12.23
